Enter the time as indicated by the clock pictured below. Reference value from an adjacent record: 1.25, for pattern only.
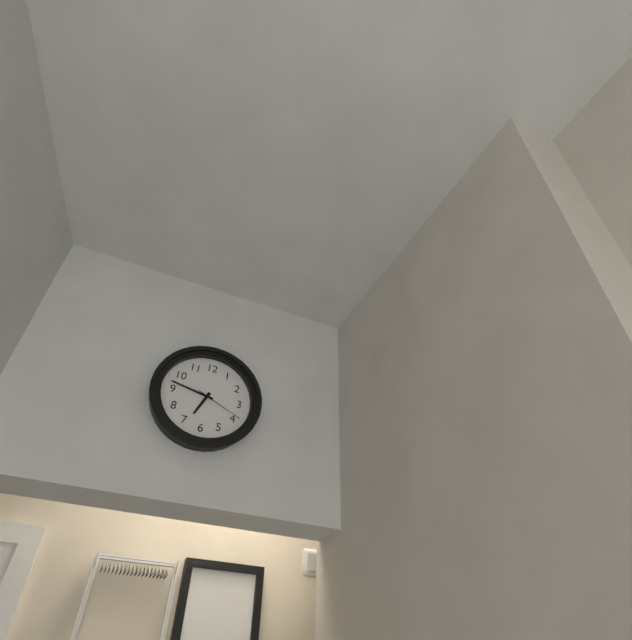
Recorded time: 6.47
